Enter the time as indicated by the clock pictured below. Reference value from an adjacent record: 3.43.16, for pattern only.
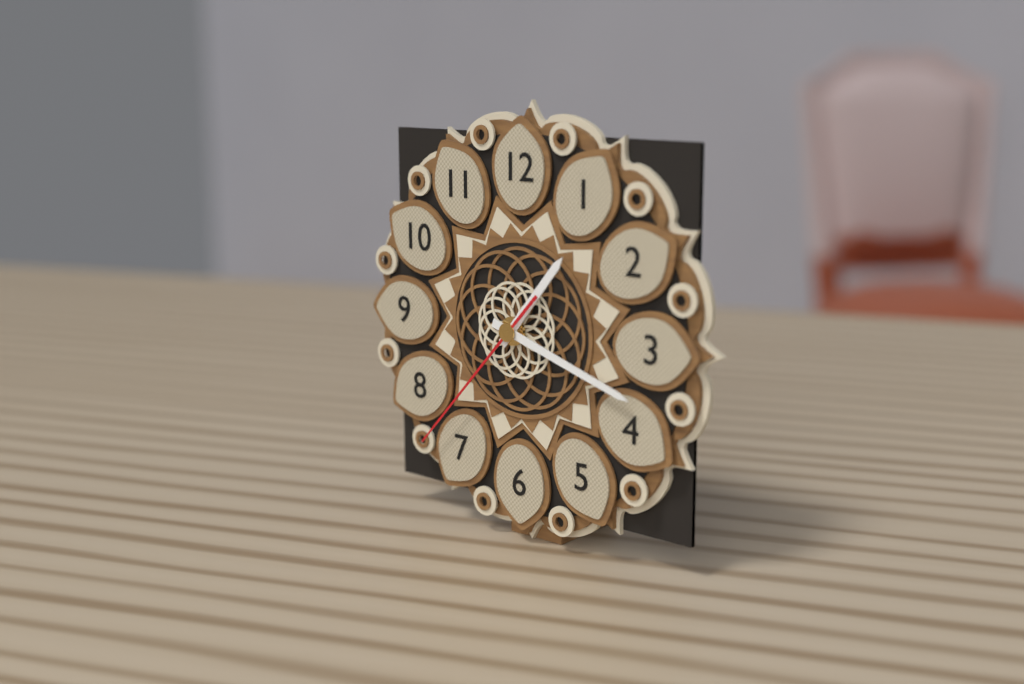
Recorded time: 1.18.37
